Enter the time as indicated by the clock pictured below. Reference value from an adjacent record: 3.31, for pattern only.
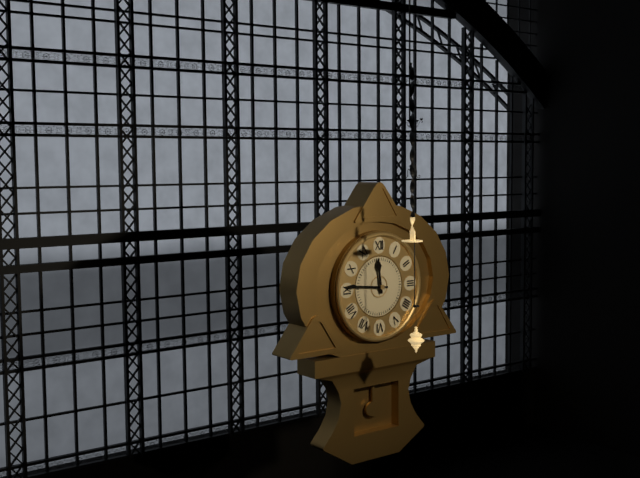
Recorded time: 11.46
